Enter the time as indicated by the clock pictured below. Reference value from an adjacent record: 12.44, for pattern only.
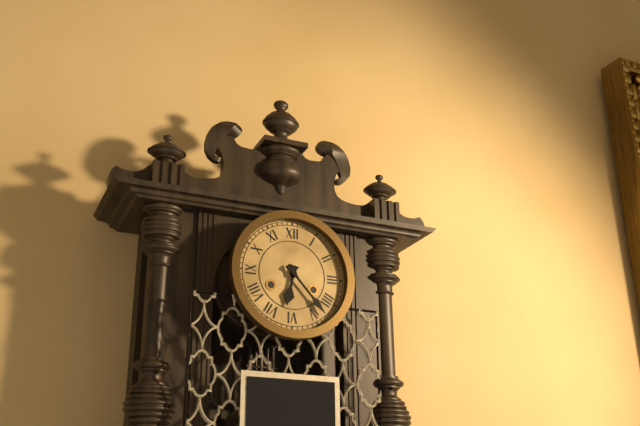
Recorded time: 6.23
